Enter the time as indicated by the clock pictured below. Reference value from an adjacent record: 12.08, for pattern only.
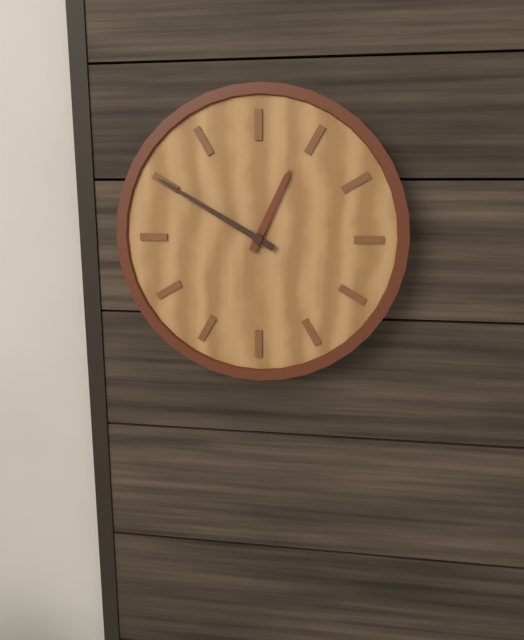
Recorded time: 12.50
